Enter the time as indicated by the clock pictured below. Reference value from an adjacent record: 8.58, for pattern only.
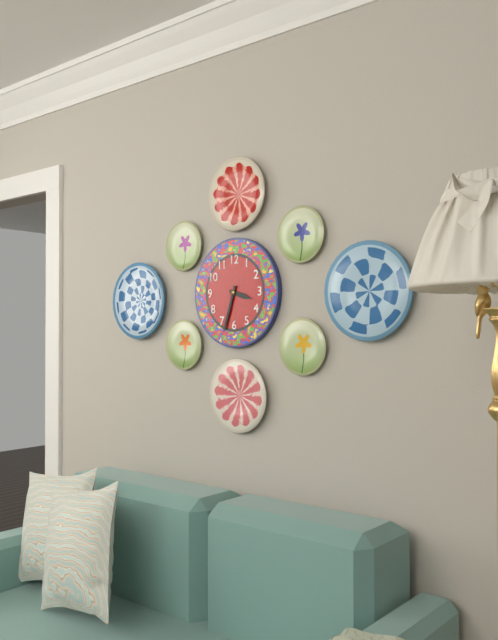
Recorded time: 3.33
